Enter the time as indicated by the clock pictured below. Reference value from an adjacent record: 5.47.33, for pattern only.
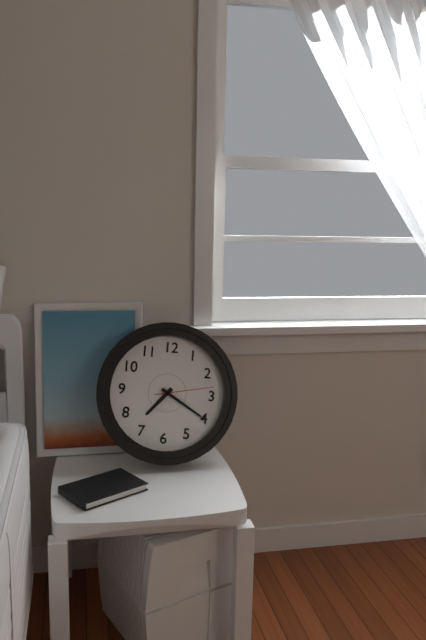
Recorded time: 7.20.13
